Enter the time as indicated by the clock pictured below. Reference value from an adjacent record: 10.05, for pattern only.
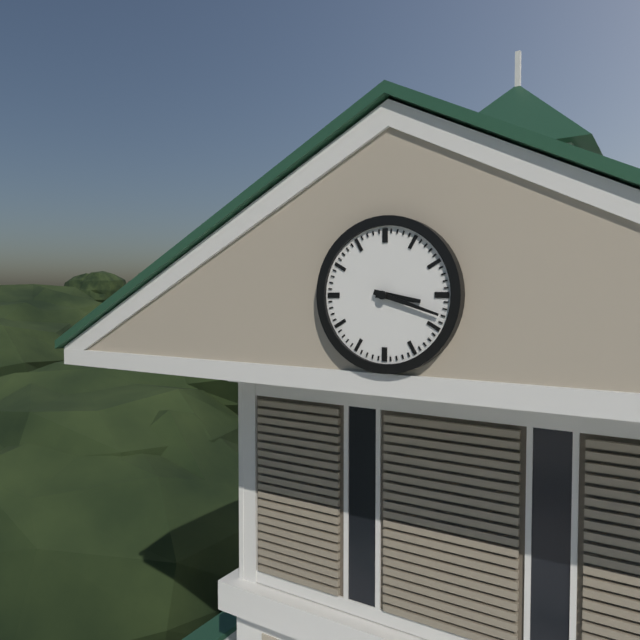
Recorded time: 3.18
